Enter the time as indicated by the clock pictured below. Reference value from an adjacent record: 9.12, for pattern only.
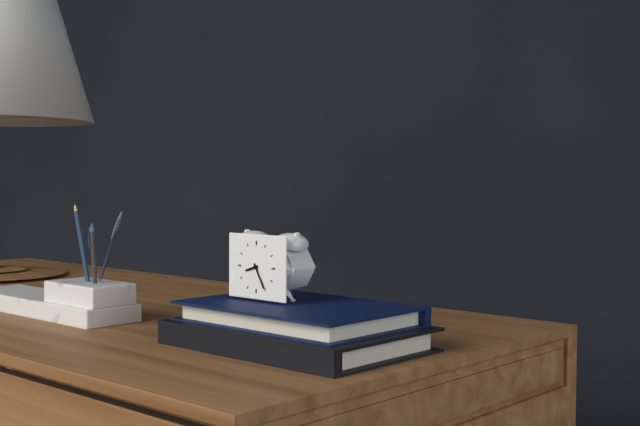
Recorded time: 8.25
